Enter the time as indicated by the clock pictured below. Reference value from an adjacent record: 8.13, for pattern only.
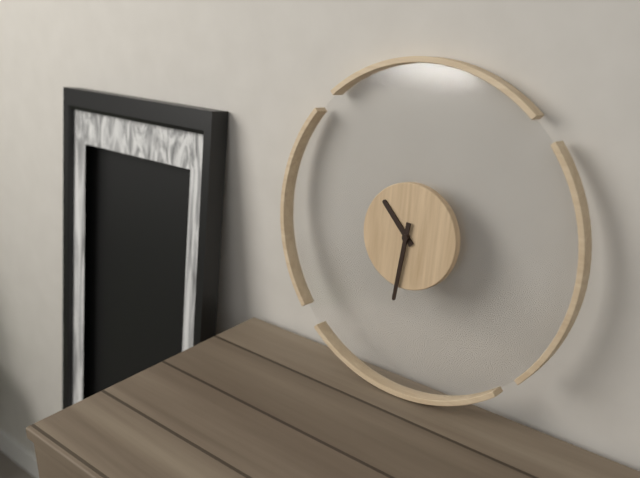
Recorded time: 10.31
